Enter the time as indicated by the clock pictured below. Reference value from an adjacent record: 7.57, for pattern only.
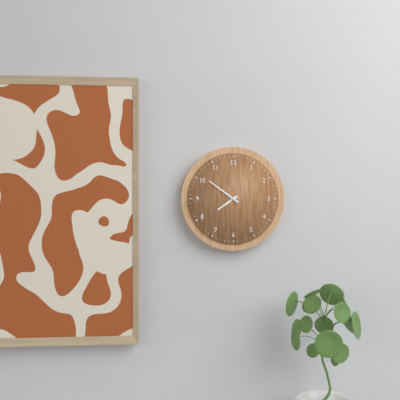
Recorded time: 7.51
